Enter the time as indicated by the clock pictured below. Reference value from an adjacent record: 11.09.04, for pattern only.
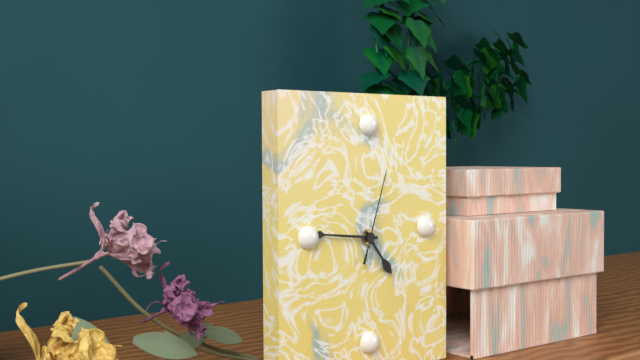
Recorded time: 4.46.03
